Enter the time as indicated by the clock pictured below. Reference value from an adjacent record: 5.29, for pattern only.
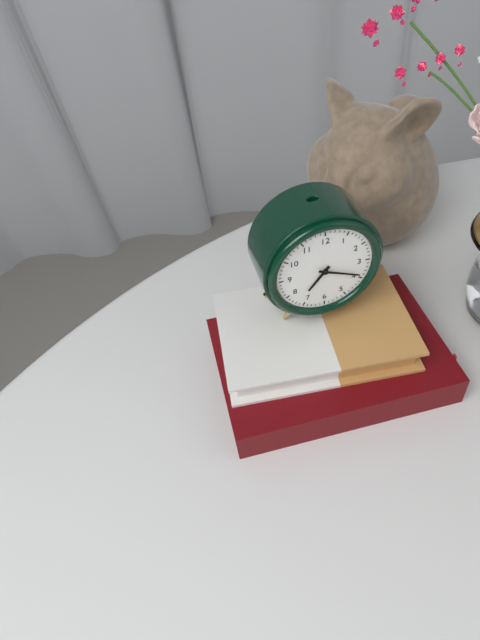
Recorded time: 7.19
